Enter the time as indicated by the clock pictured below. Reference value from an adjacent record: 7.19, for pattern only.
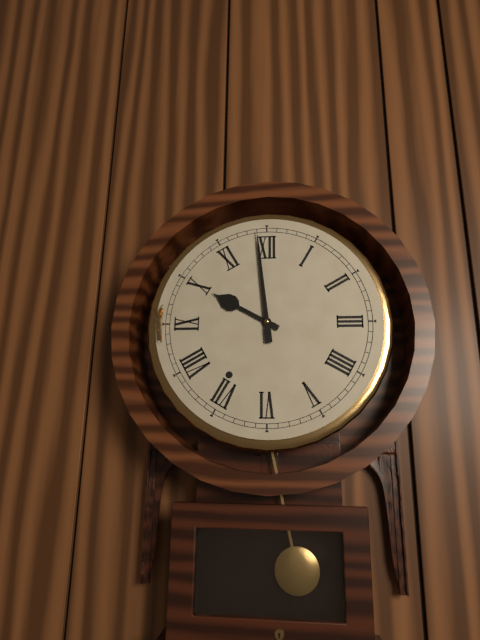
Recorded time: 9.59
